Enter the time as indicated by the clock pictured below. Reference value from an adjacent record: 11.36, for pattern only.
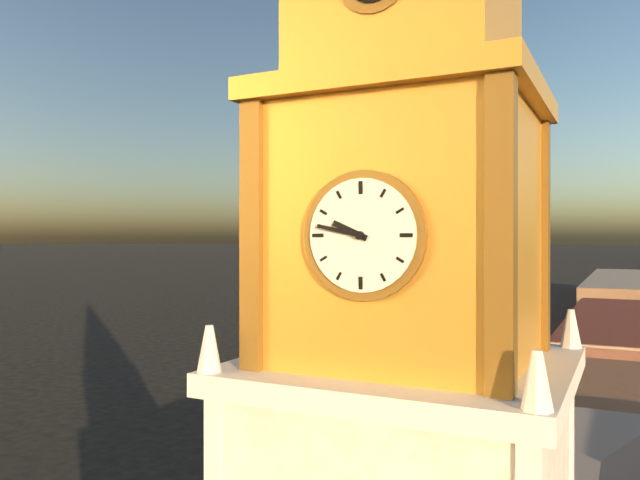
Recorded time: 9.47
